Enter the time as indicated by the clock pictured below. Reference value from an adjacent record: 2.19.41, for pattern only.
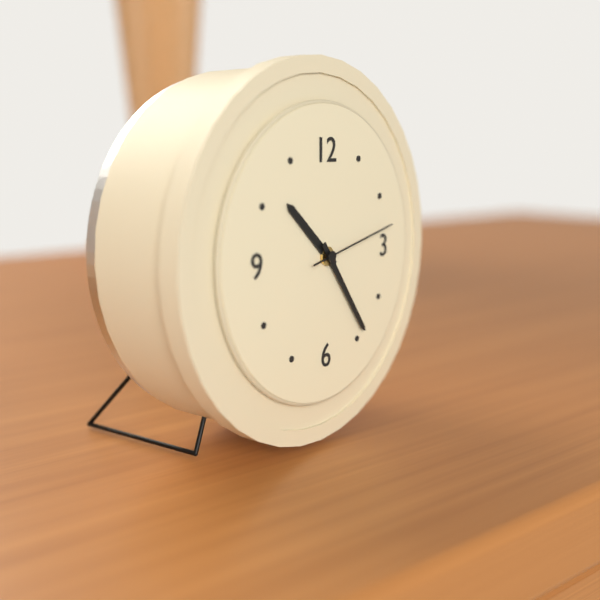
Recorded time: 10.24.13
